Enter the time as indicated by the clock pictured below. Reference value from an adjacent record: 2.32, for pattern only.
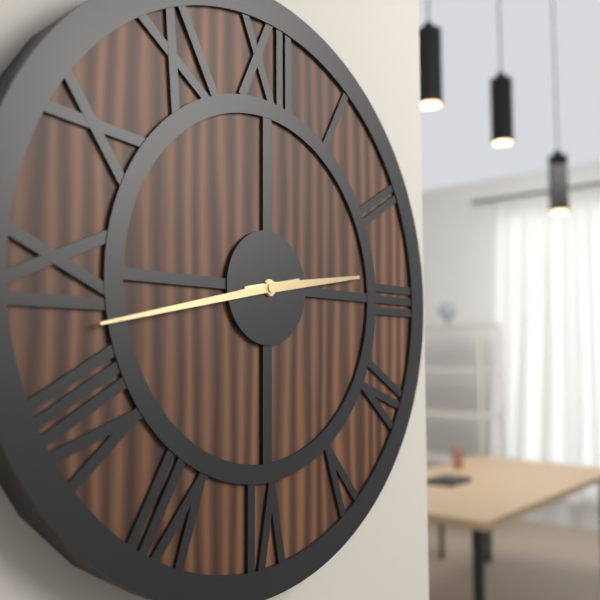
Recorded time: 2.43
